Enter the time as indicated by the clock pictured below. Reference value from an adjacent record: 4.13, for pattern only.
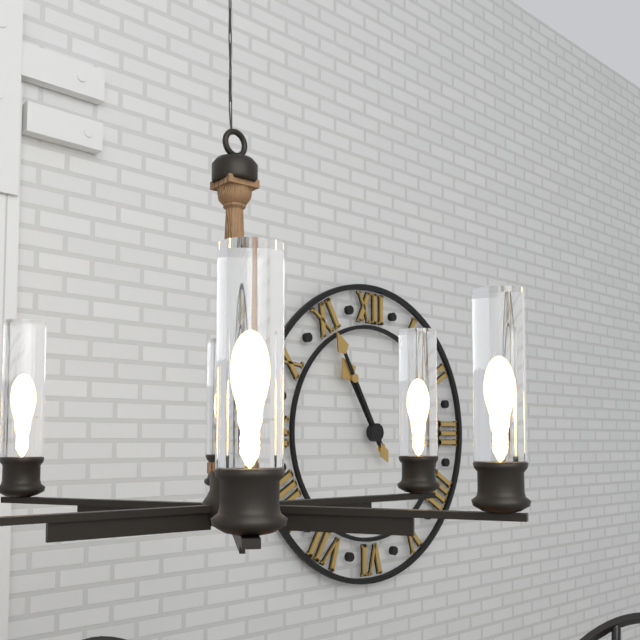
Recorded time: 10.55
